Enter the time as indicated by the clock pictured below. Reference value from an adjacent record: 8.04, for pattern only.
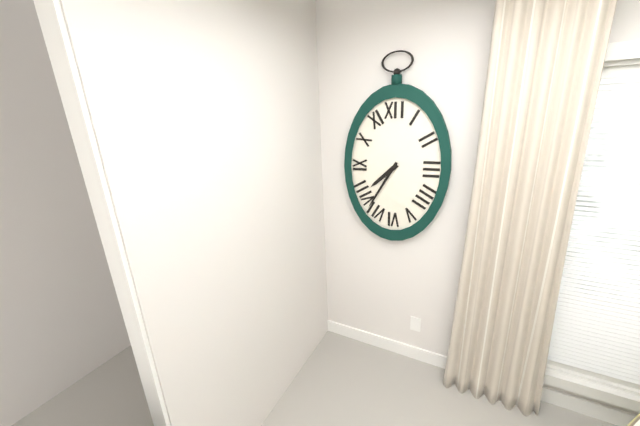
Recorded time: 7.35
